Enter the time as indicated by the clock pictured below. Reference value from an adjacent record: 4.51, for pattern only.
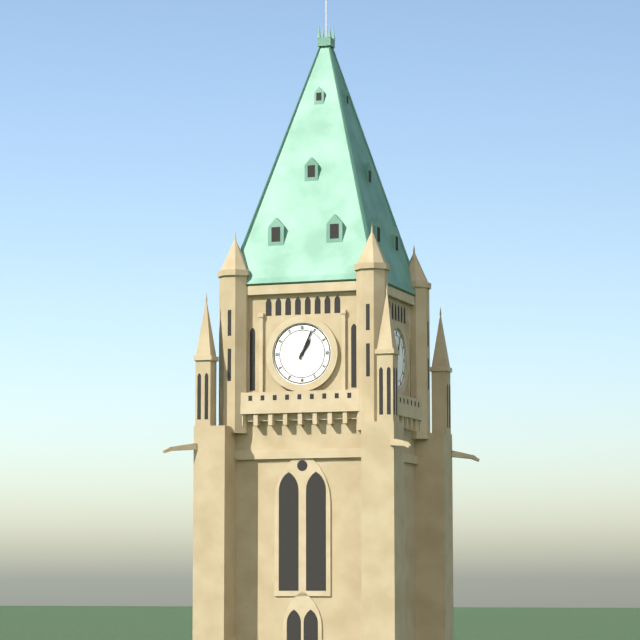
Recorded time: 1.04
